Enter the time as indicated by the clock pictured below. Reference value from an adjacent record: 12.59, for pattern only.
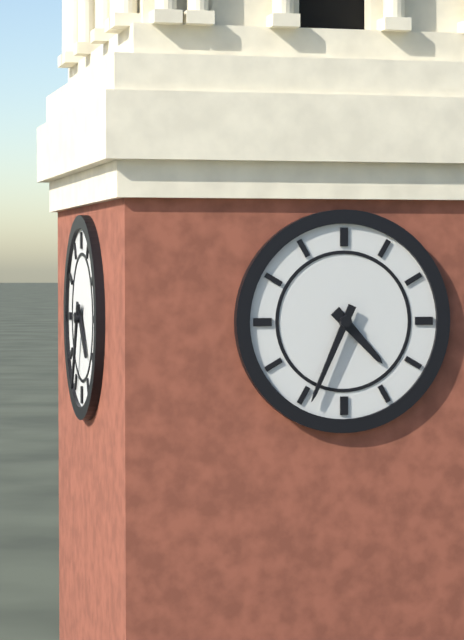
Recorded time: 4.34
